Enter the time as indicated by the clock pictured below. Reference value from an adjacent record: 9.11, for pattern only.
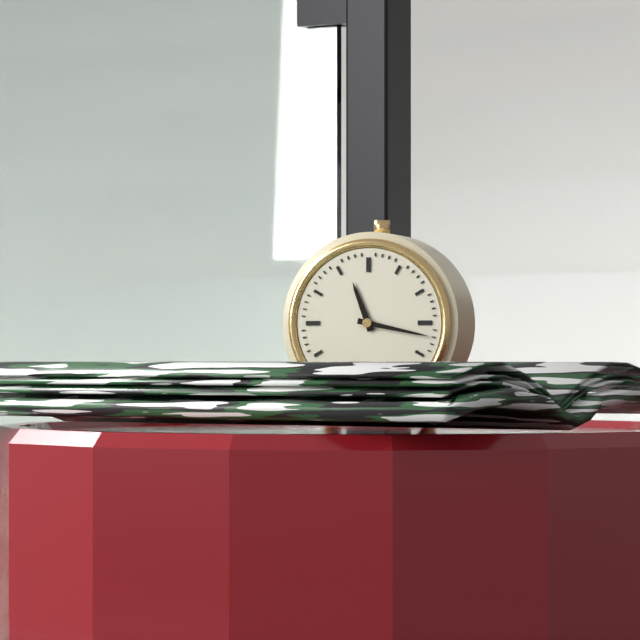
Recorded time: 11.17
